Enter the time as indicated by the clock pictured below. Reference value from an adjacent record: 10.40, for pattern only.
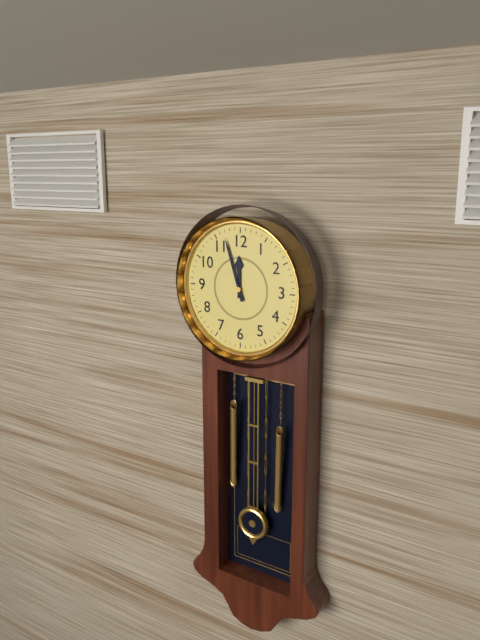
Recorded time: 11.57
